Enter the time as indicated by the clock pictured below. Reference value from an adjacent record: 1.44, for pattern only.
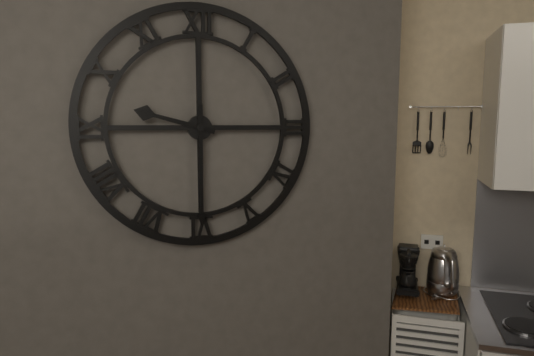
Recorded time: 9.30
